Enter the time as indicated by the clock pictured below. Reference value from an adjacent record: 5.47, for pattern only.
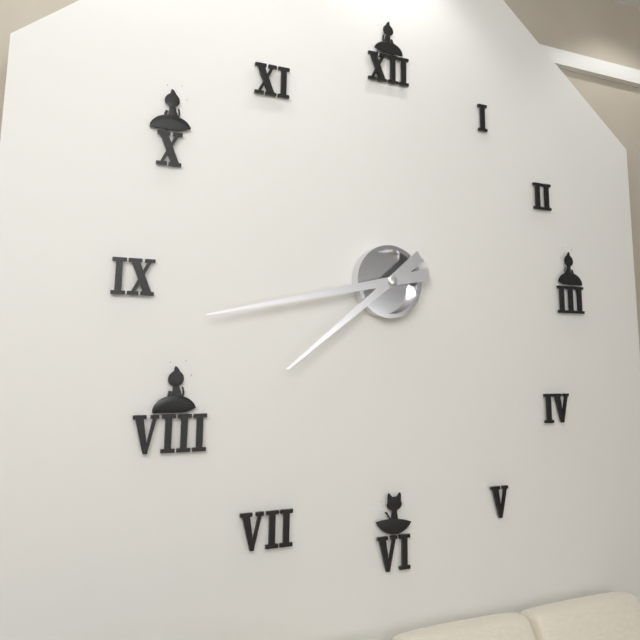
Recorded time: 7.43
